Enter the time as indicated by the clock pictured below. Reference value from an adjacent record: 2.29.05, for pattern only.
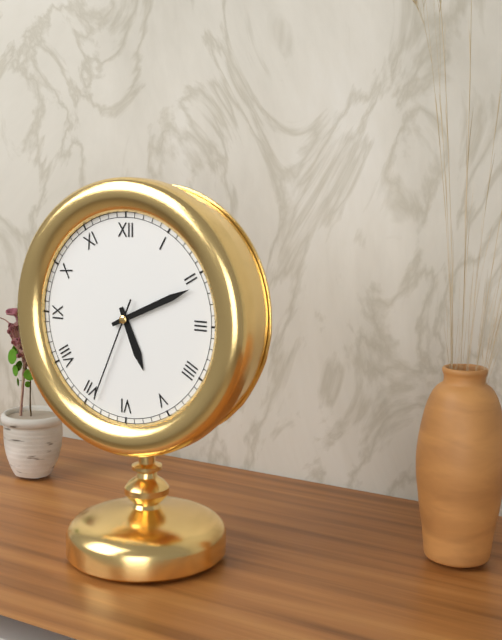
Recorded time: 5.11.34
